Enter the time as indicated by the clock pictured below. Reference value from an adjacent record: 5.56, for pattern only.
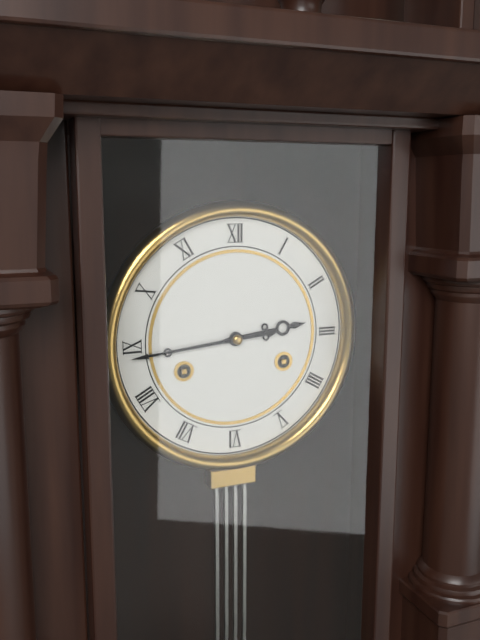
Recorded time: 2.44
